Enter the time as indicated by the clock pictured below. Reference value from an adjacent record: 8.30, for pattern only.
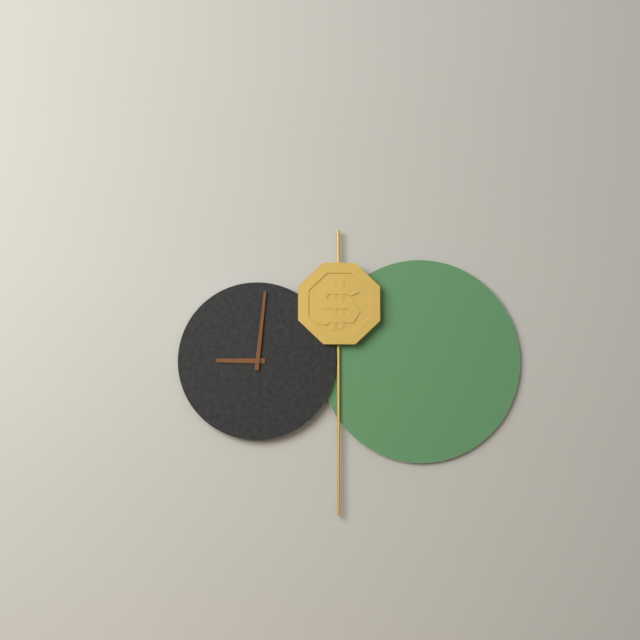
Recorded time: 9.01
